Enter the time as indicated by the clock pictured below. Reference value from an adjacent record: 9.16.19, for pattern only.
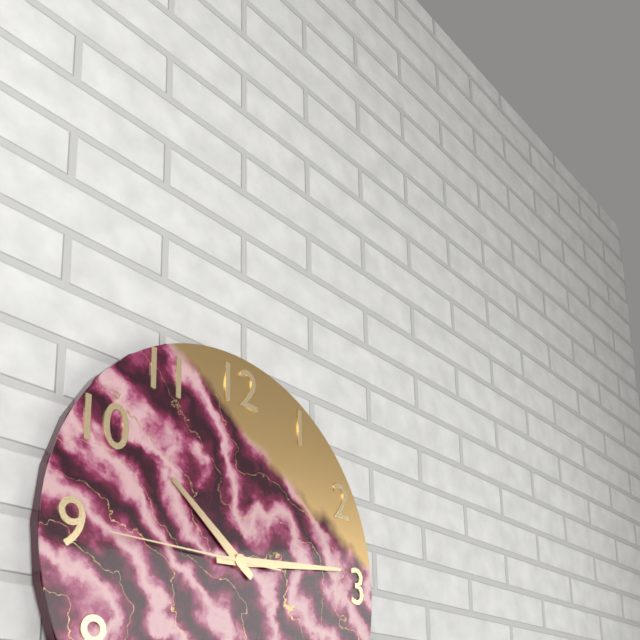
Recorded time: 10.14.45
